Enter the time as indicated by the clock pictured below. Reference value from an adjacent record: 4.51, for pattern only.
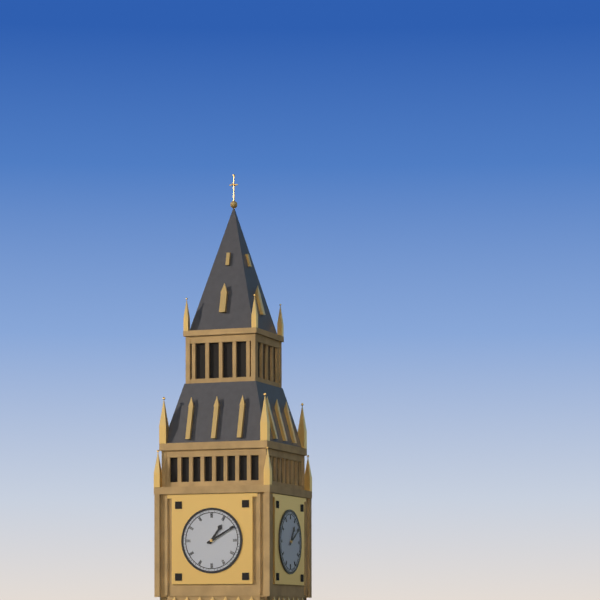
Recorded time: 1.10
